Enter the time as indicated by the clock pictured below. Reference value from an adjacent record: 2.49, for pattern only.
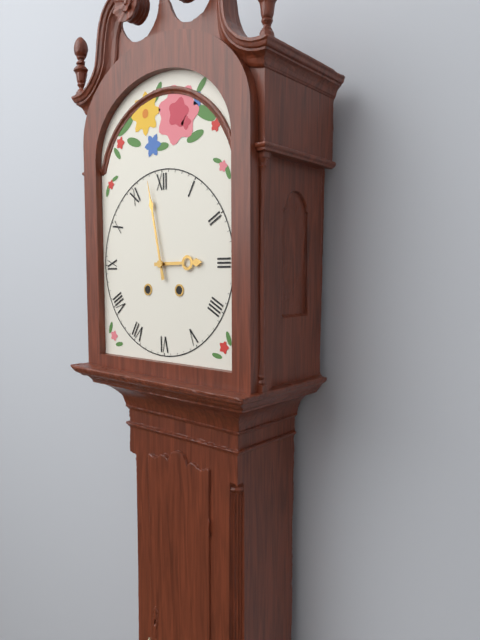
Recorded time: 2.58
